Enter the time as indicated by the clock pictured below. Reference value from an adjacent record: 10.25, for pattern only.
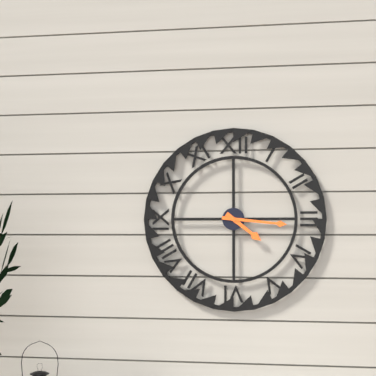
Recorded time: 4.16
